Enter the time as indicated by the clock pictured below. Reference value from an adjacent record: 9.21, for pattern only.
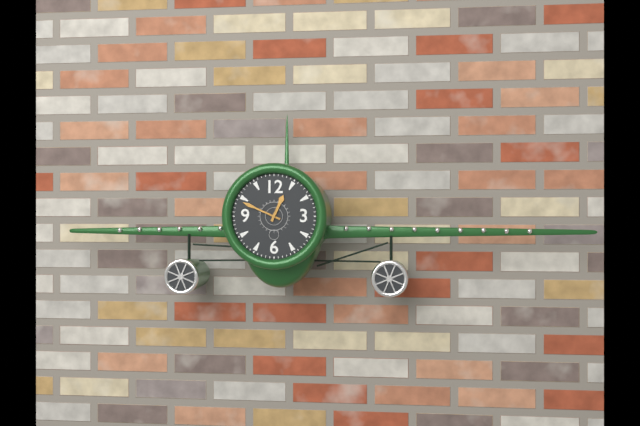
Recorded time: 12.49
